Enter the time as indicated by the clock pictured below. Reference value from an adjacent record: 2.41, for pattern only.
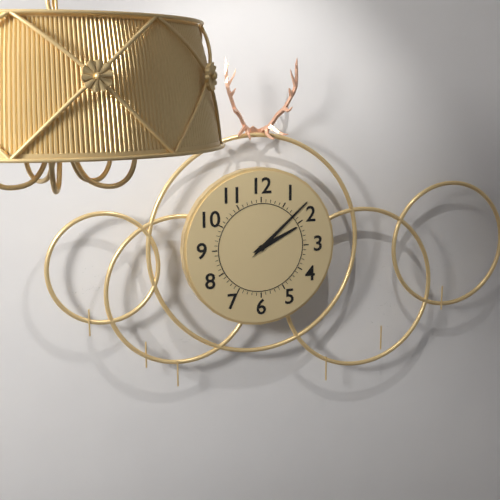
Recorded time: 2.08
